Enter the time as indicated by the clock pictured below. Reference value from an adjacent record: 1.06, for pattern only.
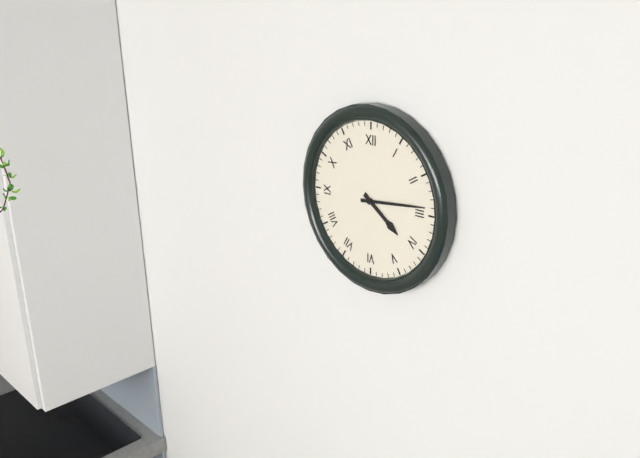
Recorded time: 4.14
